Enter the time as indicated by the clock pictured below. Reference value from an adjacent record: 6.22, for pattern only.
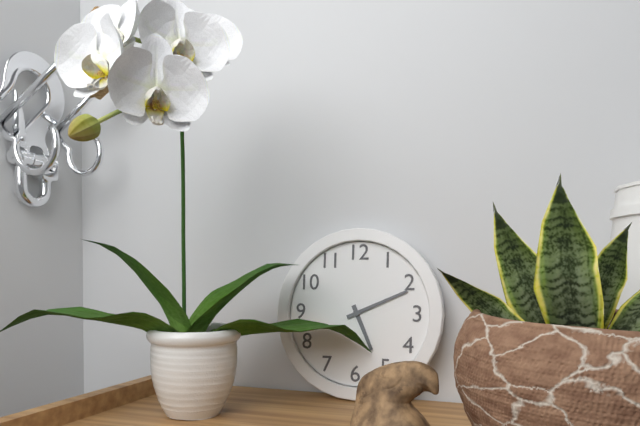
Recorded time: 5.11
